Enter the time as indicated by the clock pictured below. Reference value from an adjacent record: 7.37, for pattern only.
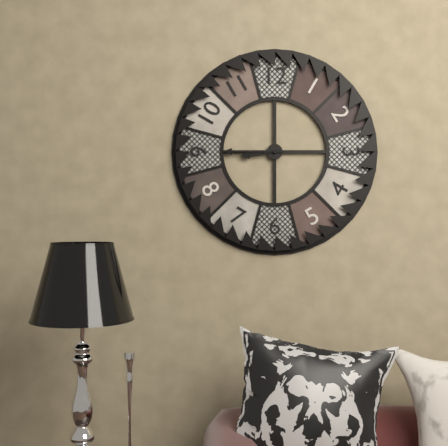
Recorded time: 8.45
